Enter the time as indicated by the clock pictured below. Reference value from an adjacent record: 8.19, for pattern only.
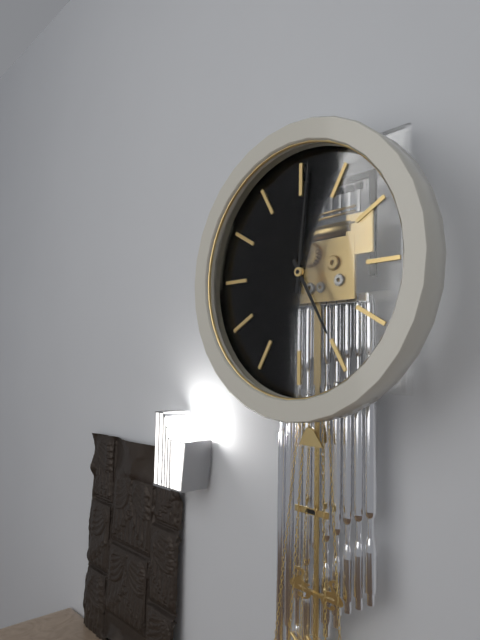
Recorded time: 5.01
